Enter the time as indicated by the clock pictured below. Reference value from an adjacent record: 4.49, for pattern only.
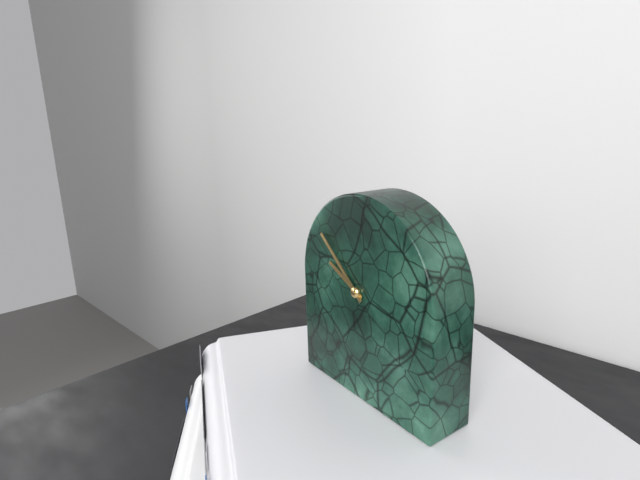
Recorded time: 9.52
